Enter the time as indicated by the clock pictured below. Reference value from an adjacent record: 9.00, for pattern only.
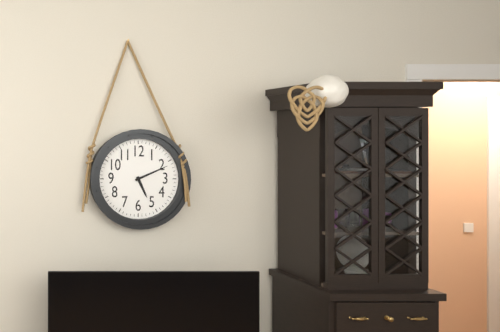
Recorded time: 5.11
